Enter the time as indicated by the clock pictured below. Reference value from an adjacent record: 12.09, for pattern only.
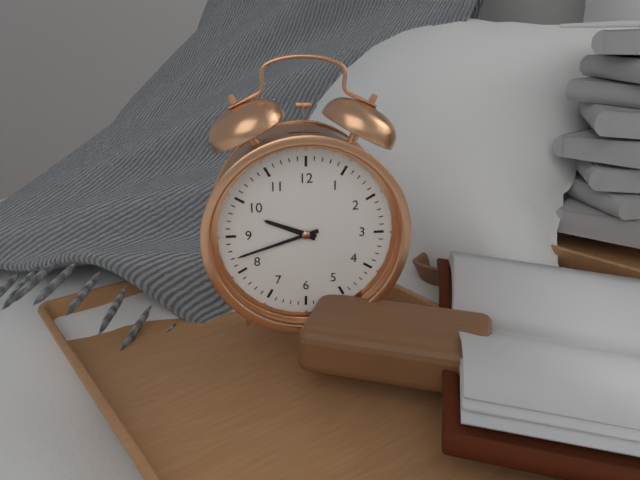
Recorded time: 9.42
